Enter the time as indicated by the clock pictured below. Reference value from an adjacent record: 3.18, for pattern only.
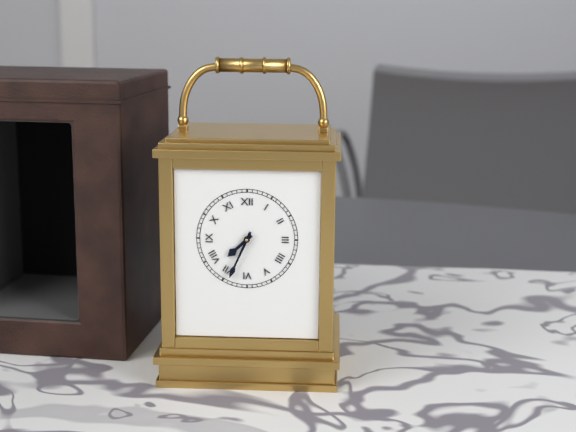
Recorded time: 7.34
